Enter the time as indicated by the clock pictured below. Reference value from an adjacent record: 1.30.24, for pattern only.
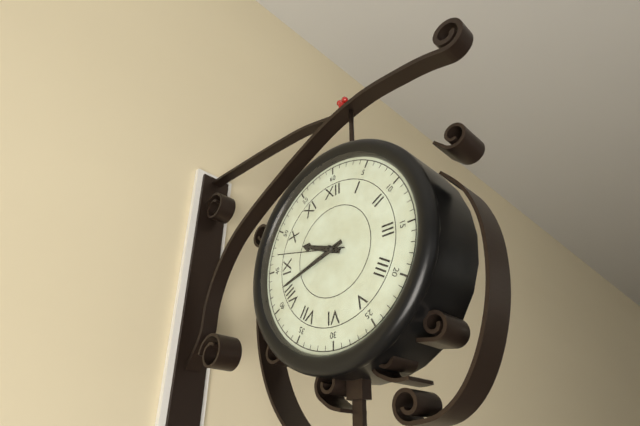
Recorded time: 9.42.47
